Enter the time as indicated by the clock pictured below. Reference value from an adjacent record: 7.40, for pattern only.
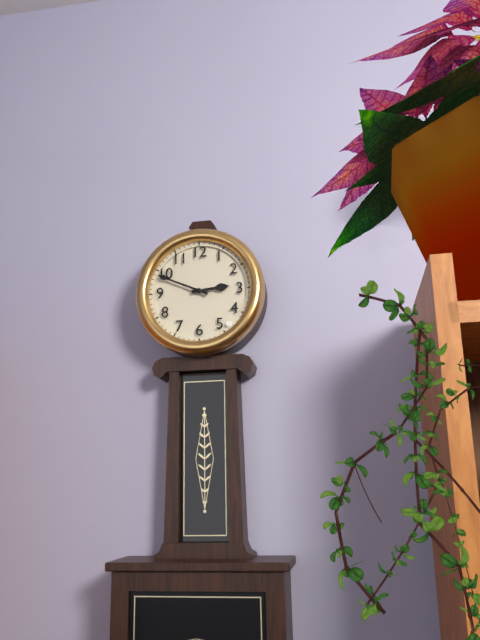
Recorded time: 2.49
